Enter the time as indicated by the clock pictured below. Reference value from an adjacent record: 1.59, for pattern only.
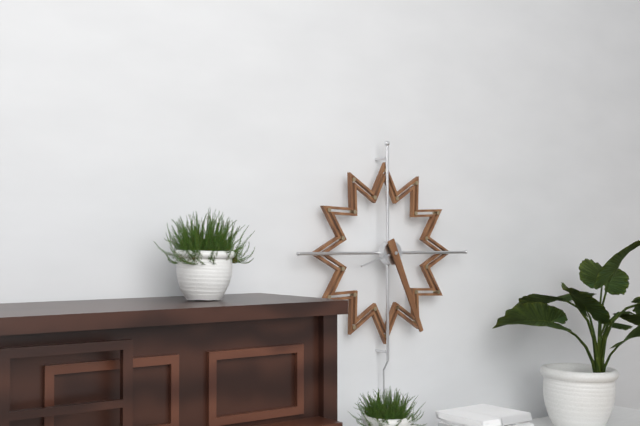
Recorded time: 8.26
